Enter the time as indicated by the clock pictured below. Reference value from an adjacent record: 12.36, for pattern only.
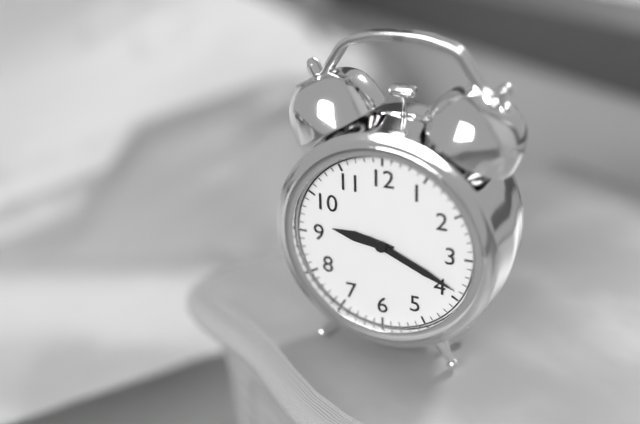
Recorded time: 9.19
